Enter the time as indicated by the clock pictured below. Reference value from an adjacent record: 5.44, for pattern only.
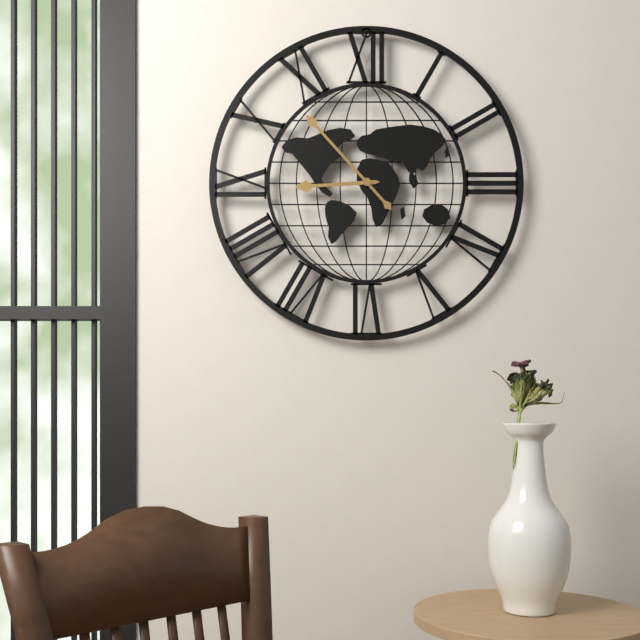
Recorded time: 8.53
